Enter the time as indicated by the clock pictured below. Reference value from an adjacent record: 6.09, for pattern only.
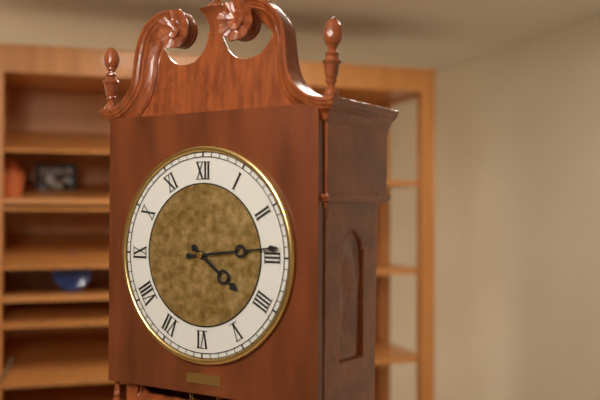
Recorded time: 4.14
